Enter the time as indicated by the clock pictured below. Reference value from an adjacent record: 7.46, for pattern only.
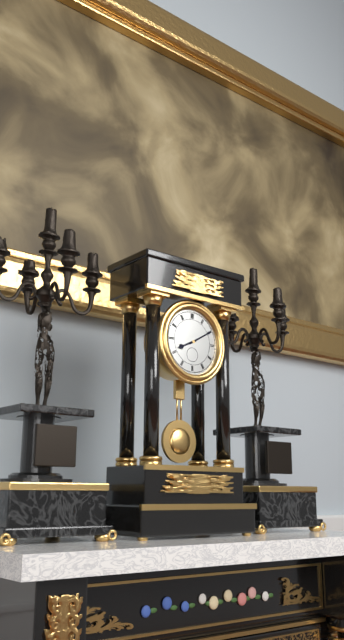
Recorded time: 8.10
